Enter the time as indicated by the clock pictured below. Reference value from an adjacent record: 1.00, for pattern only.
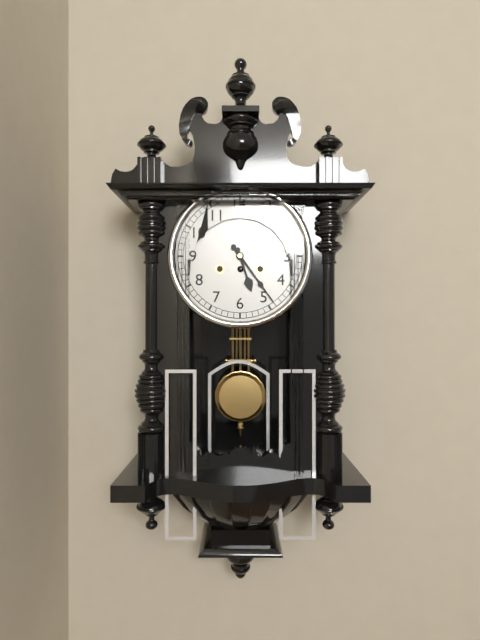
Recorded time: 5.24
